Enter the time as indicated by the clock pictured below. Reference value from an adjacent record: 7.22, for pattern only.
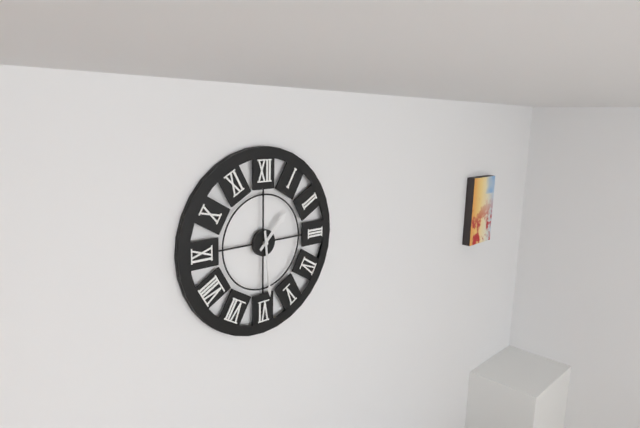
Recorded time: 1.29
